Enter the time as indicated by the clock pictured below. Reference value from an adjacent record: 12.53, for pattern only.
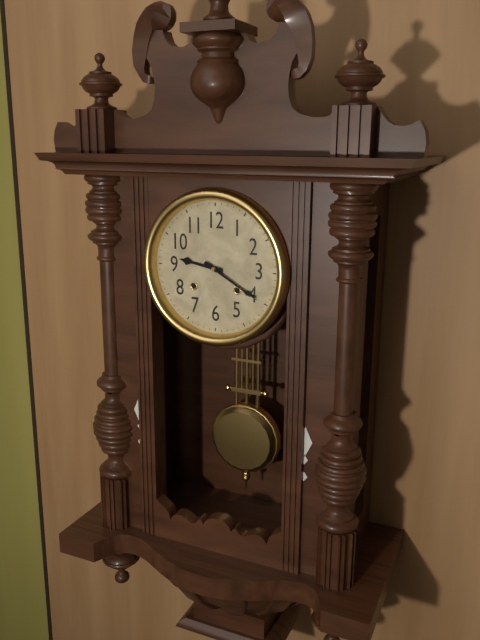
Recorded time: 9.20
